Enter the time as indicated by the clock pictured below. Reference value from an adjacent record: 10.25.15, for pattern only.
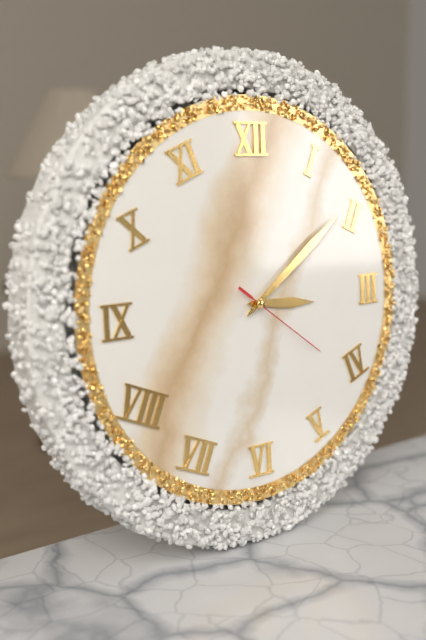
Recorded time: 3.09.21
